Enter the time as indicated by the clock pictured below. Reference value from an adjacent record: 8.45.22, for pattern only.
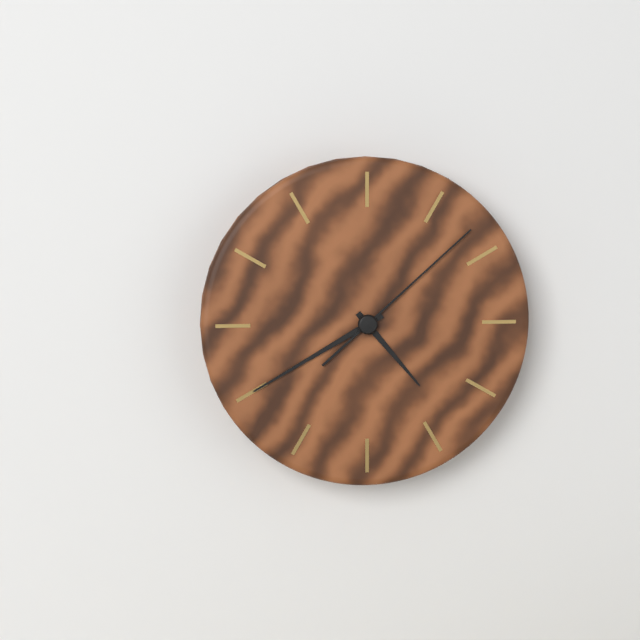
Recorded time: 4.40.08
